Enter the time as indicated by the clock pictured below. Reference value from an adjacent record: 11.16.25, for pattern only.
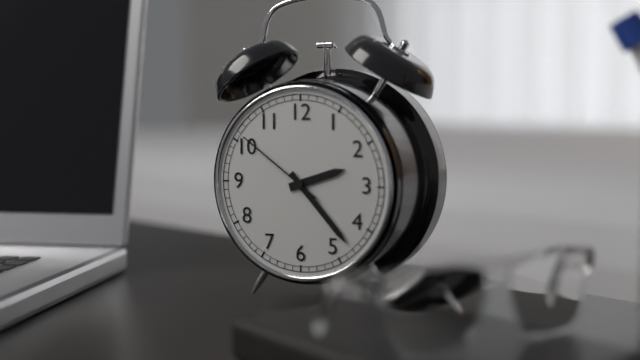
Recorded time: 2.23.51
